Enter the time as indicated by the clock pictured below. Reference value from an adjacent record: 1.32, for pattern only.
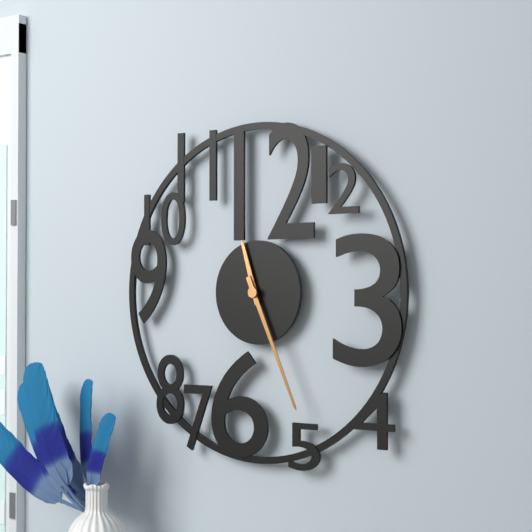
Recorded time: 11.26
